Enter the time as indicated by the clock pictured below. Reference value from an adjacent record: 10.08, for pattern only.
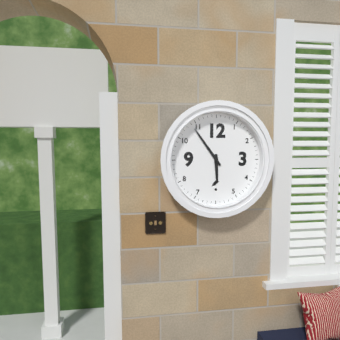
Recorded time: 5.54
